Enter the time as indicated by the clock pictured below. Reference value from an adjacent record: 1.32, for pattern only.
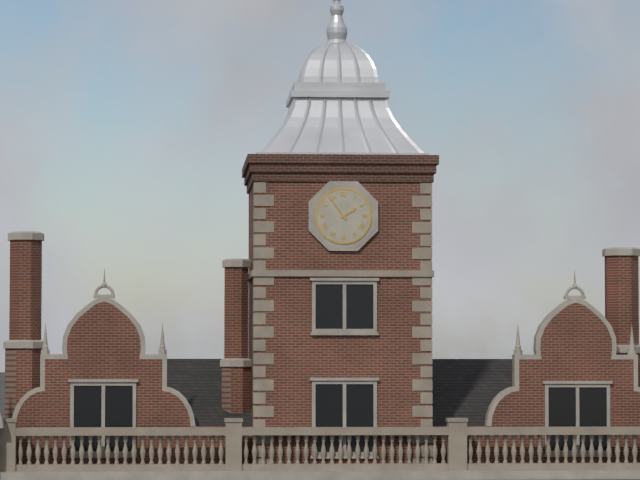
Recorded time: 1.54
